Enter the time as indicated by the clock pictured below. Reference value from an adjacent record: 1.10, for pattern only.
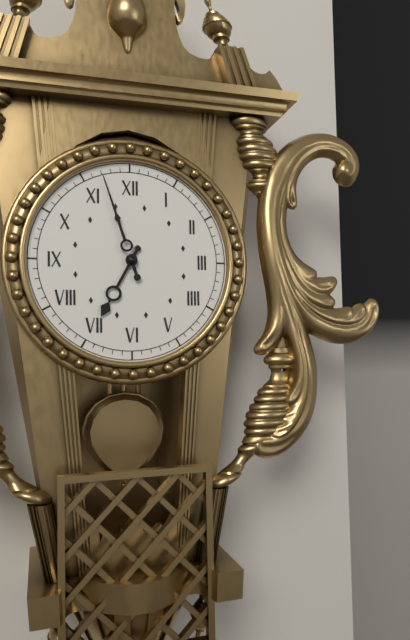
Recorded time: 6.57
